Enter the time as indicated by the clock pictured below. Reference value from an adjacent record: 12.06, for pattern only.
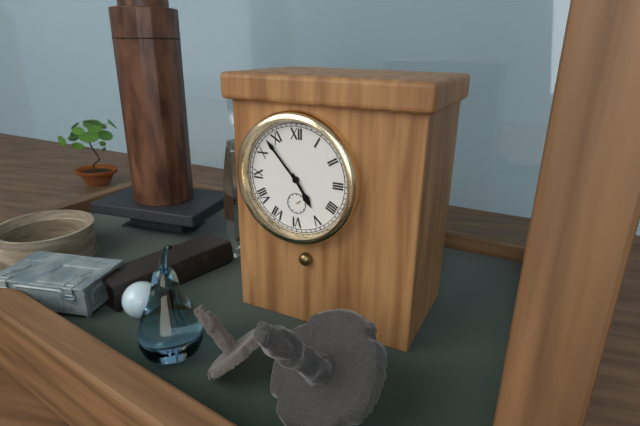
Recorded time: 4.53
